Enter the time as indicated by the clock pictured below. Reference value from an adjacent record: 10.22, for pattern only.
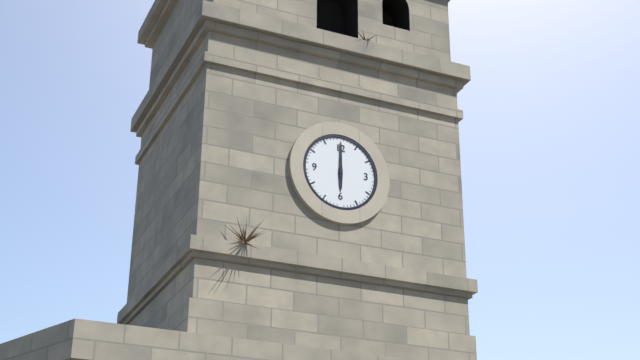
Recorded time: 6.00
